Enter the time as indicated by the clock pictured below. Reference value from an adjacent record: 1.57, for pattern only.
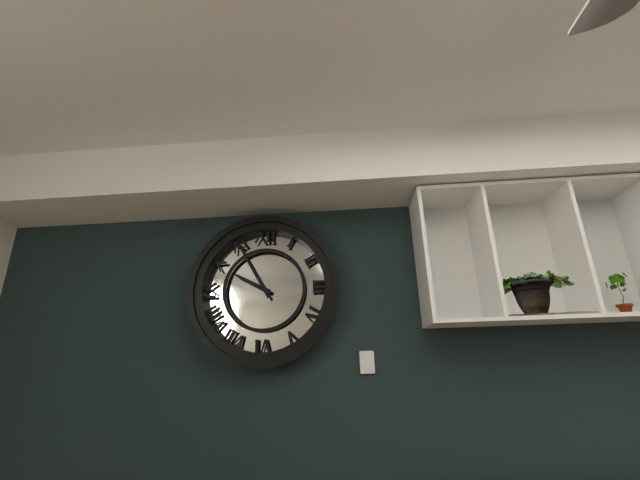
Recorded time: 9.55
